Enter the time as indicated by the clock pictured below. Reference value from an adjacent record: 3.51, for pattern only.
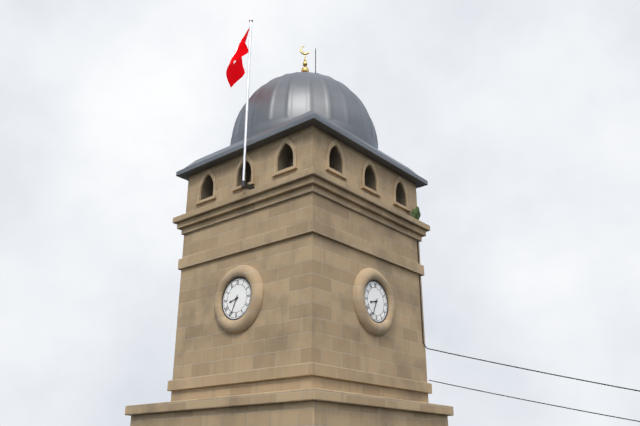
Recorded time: 8.34
